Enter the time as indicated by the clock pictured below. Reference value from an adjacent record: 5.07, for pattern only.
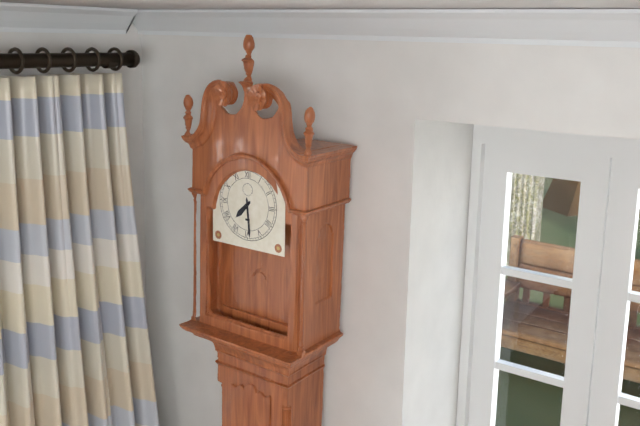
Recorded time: 7.29
